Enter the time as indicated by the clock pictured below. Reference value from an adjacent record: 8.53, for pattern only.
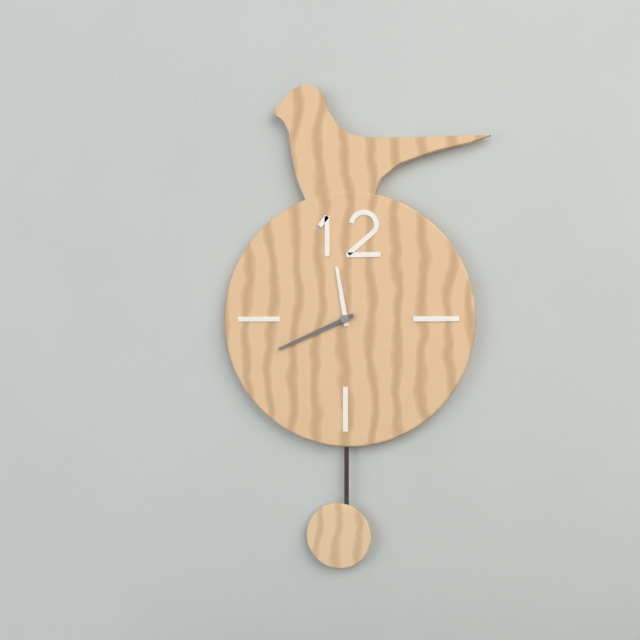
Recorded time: 11.41
